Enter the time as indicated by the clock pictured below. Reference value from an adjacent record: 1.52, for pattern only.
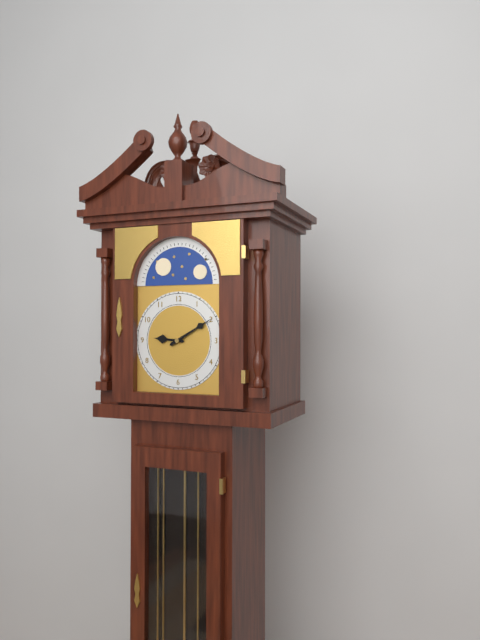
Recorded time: 9.10
